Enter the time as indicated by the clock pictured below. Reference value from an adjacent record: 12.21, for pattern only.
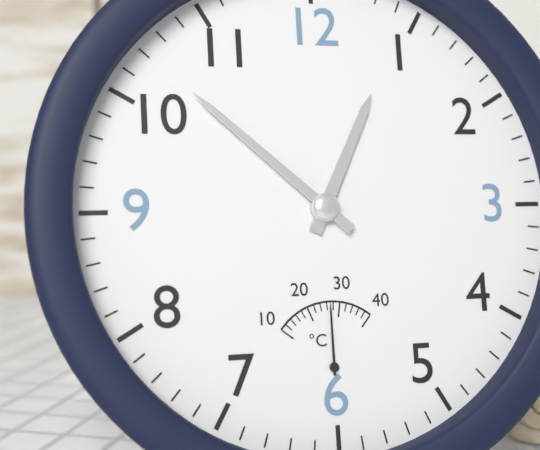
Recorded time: 12.52
